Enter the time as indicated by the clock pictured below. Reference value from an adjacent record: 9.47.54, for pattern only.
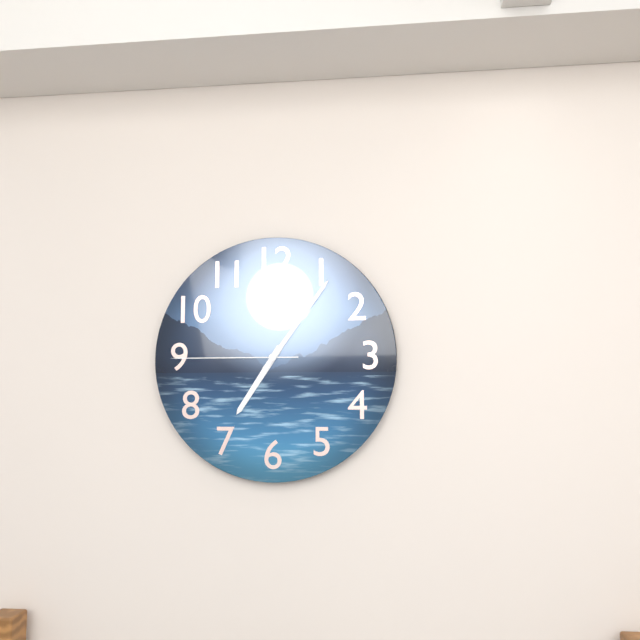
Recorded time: 7.06.45
